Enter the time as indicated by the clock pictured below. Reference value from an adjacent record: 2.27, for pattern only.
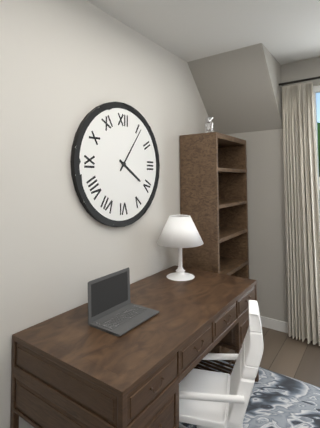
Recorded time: 4.06
